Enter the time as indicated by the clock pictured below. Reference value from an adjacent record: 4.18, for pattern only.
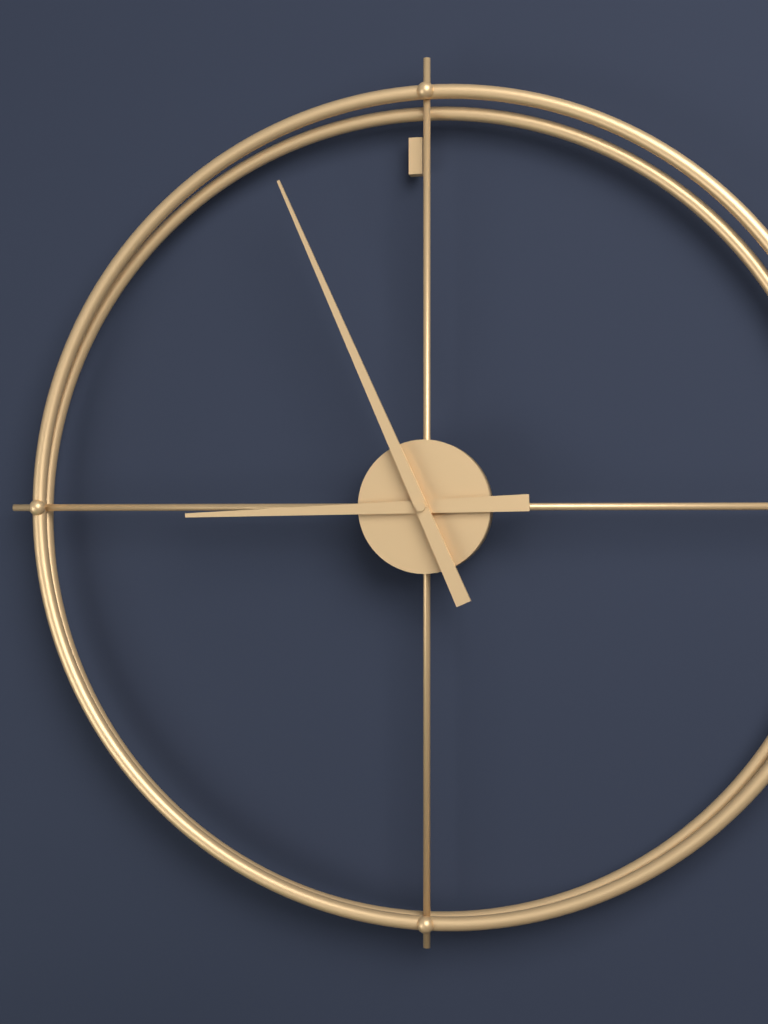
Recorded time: 8.56
